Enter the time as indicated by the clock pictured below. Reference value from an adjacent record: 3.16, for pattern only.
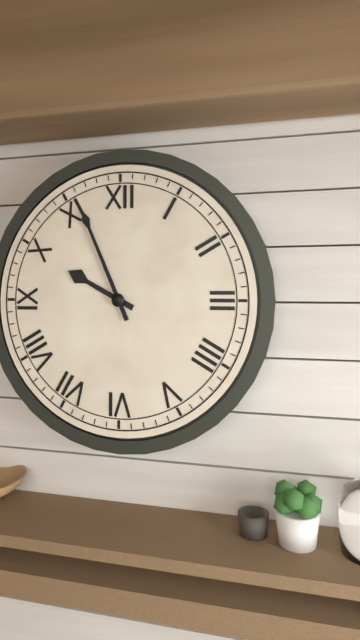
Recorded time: 9.56
